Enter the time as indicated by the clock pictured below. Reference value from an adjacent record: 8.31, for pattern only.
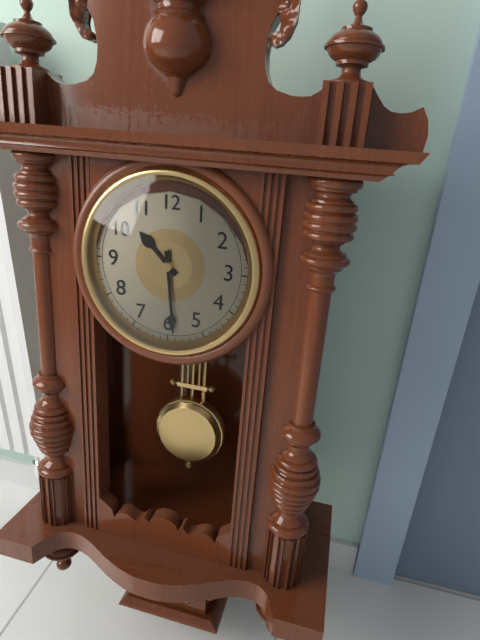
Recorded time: 10.29
